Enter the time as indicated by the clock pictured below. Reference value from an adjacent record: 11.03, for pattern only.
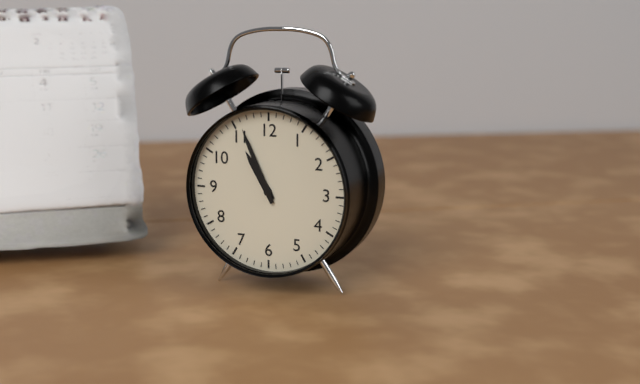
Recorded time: 10.56
